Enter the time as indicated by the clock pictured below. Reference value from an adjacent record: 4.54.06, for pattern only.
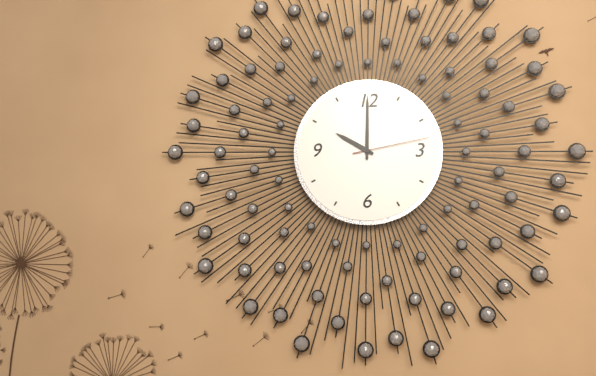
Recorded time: 10.00.13
